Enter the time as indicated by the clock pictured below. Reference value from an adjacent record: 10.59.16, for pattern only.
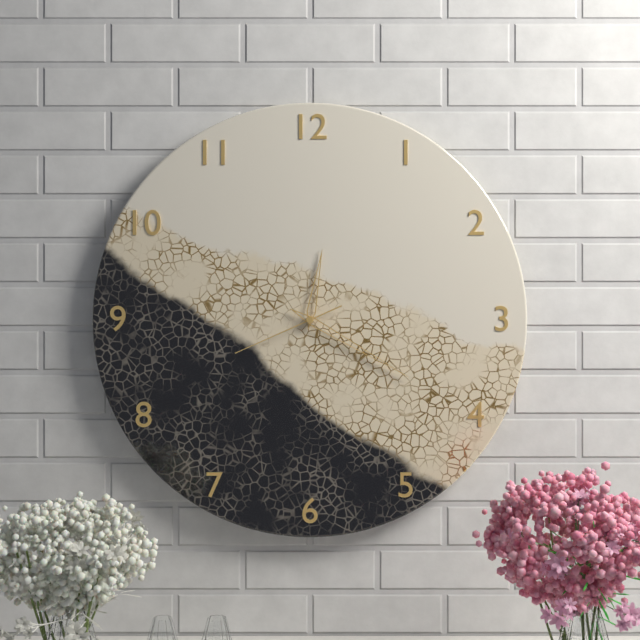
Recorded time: 12.20.41
